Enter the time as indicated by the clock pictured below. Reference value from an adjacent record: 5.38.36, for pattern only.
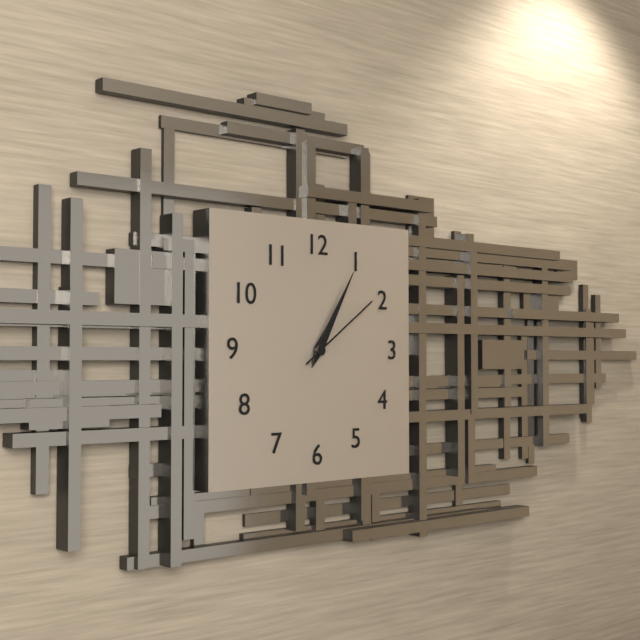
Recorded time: 1.05.09
